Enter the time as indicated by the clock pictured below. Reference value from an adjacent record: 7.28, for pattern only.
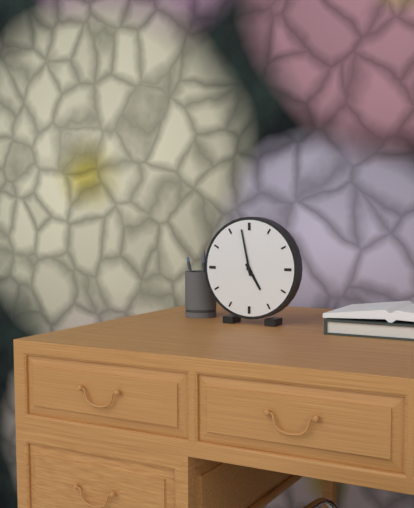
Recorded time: 4.58
